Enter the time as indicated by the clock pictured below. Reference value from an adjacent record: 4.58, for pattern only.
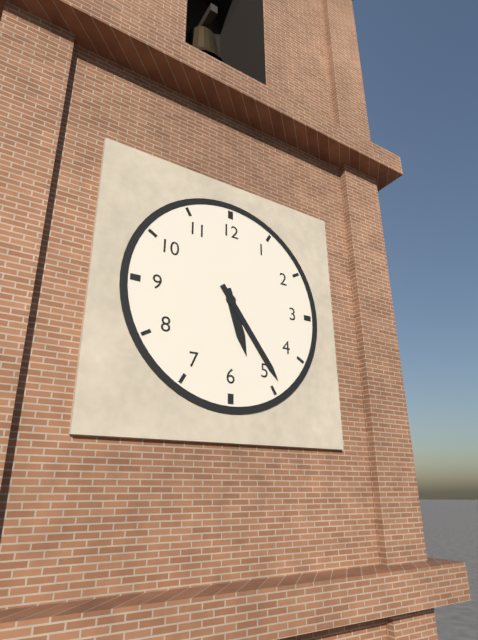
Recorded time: 5.24
